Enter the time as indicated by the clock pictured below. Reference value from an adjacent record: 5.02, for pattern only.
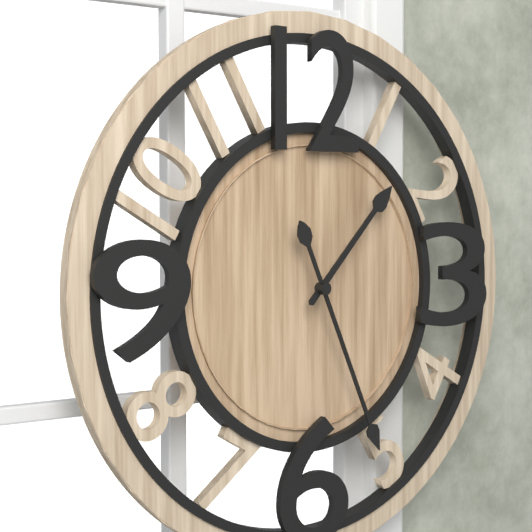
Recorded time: 1.26
